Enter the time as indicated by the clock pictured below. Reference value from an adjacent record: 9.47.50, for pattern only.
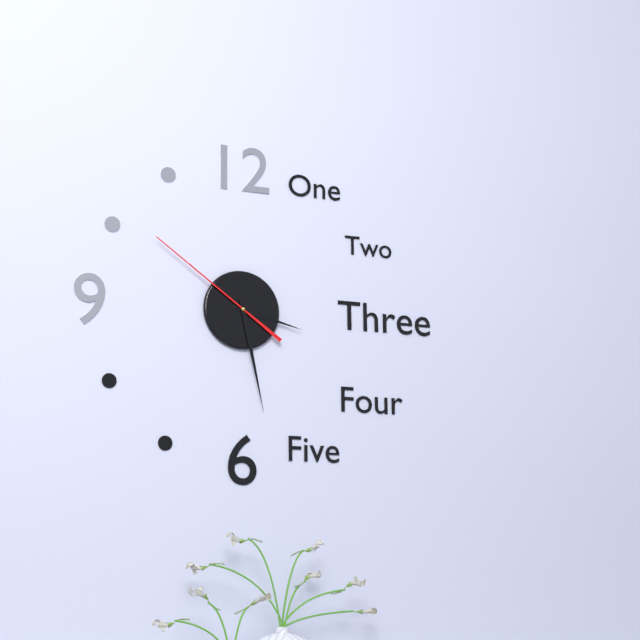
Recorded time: 3.28.51
